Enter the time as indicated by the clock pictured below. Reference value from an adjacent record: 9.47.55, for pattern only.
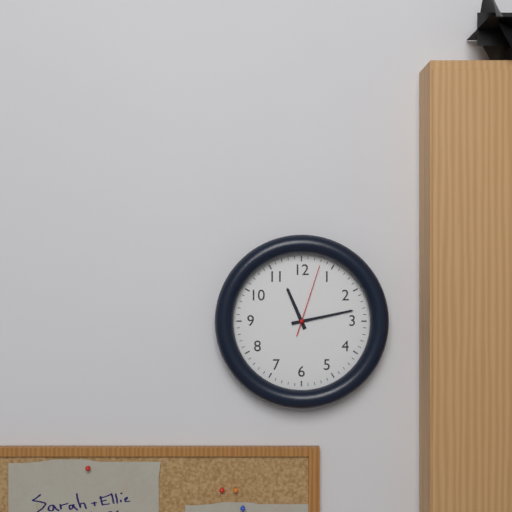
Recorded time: 11.13.03
